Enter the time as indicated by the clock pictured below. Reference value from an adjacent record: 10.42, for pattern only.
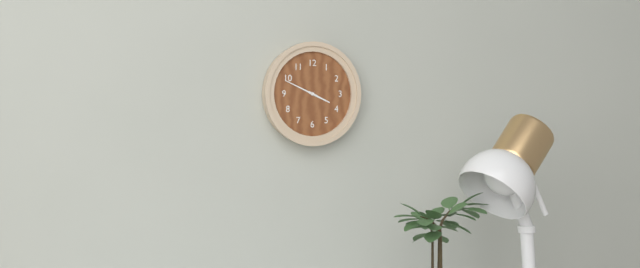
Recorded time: 3.49
